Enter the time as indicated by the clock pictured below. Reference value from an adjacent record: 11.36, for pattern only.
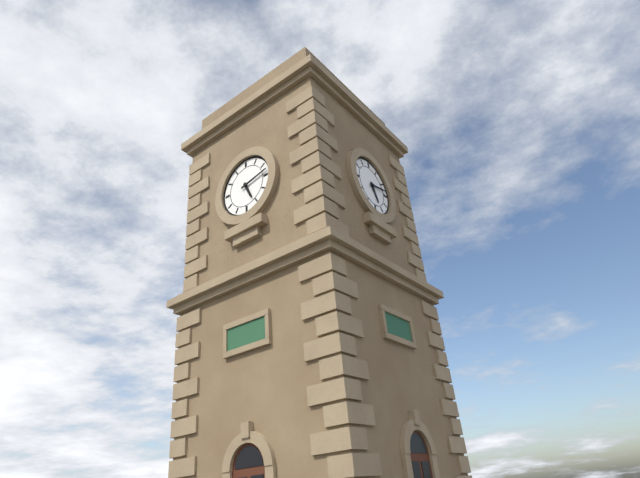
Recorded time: 5.13
